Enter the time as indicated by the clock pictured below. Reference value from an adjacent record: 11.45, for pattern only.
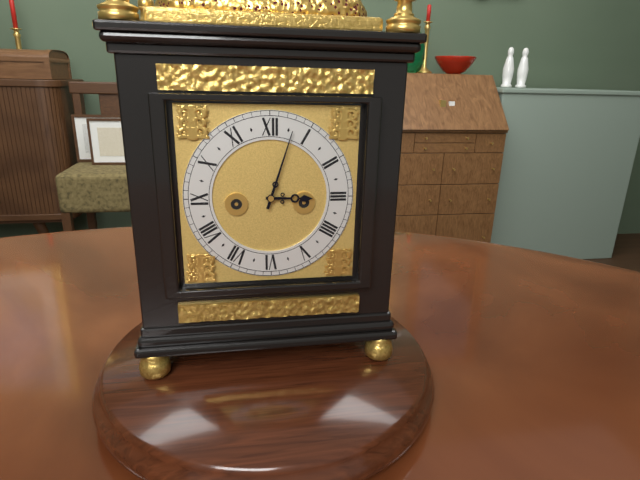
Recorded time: 3.03
